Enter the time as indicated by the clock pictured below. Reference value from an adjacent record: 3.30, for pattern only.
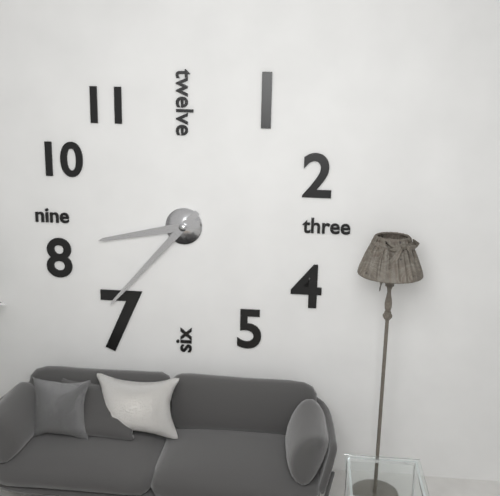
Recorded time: 8.37
